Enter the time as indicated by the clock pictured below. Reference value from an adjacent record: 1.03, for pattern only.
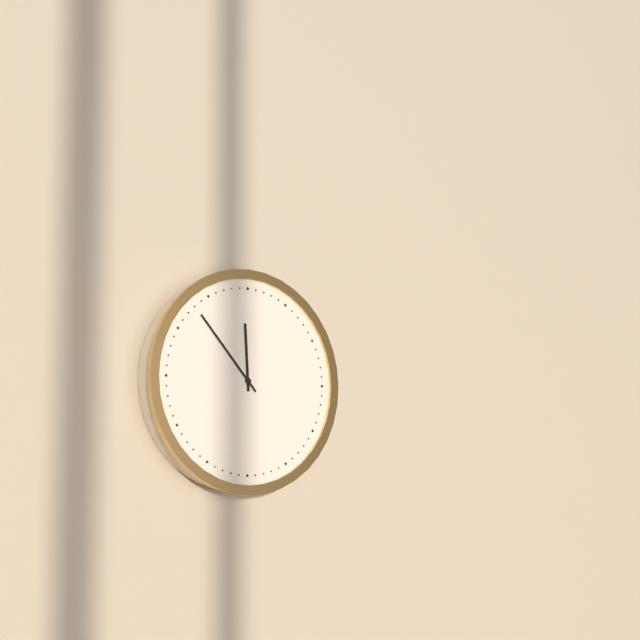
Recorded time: 11.53
